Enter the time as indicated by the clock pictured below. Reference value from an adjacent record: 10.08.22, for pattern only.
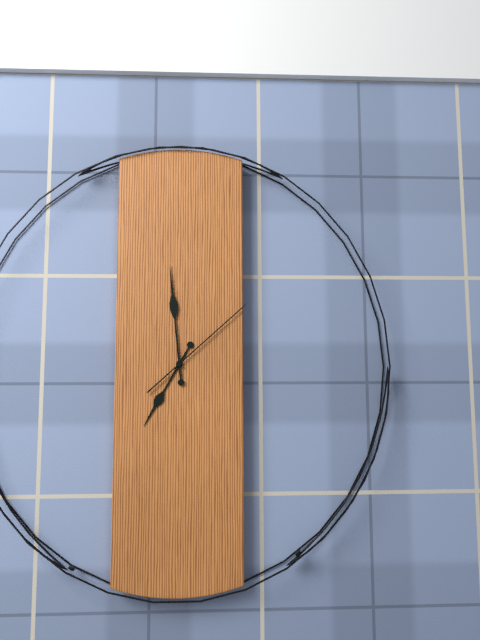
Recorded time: 6.59.08
